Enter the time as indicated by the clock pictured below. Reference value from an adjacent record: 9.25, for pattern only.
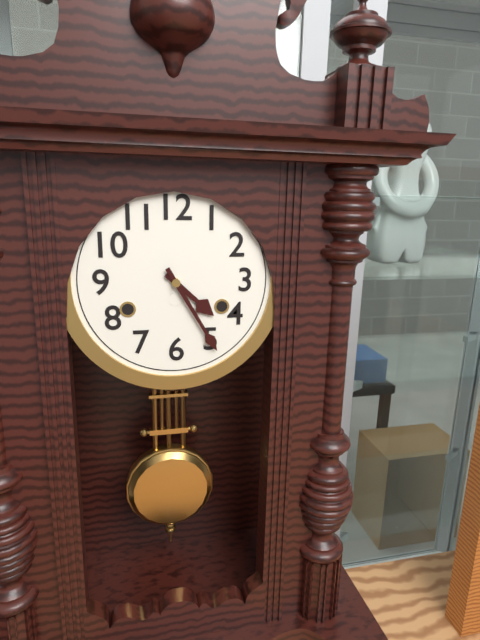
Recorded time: 4.25
